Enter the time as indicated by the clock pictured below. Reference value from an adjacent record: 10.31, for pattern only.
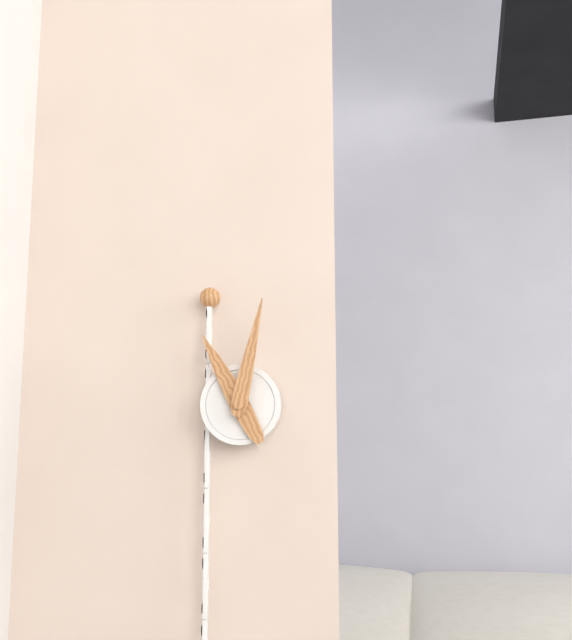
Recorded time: 11.02
